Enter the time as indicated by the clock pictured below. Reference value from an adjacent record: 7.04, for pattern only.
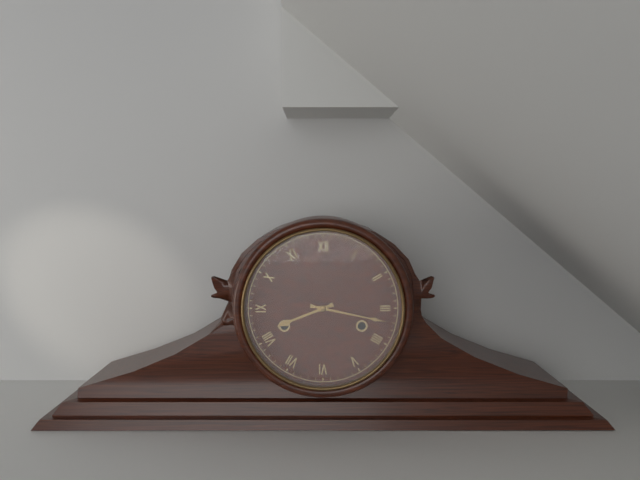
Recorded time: 8.17
